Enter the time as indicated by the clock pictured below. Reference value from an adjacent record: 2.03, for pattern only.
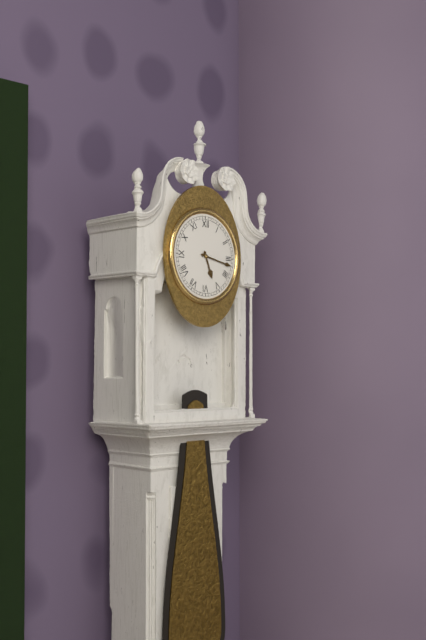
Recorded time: 5.17
